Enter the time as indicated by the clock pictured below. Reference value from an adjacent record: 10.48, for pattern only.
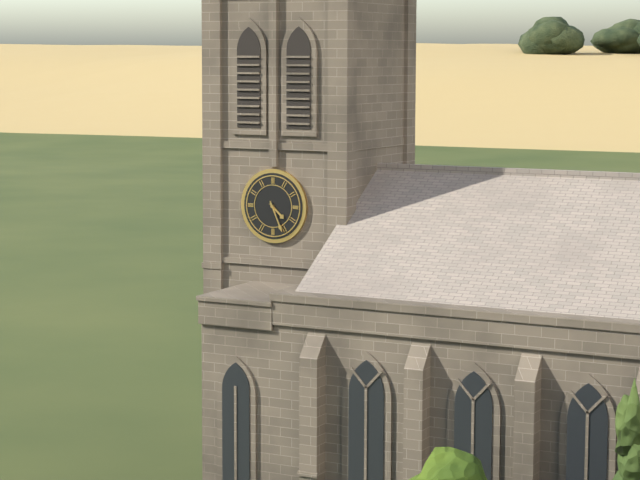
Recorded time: 4.26
